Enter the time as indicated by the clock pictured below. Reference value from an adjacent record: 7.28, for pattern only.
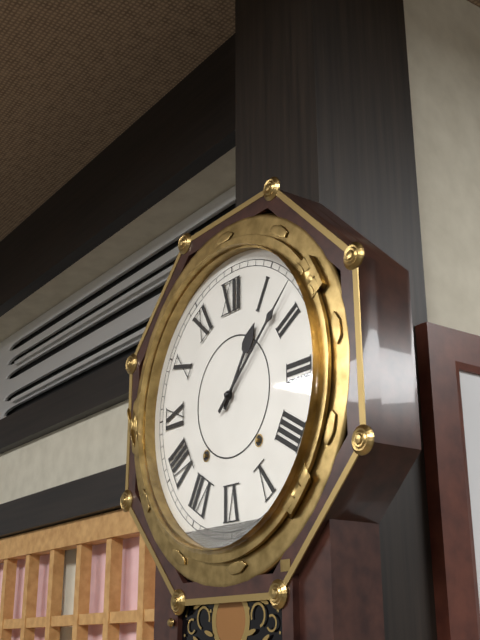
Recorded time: 1.08
